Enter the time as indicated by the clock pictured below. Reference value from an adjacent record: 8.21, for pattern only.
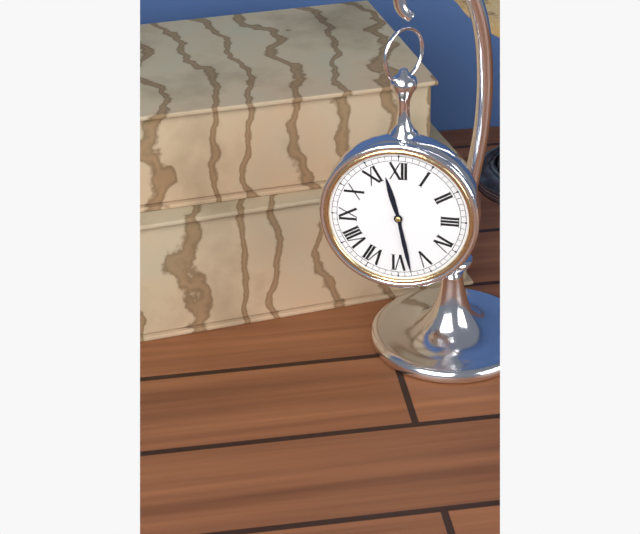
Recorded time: 11.28
